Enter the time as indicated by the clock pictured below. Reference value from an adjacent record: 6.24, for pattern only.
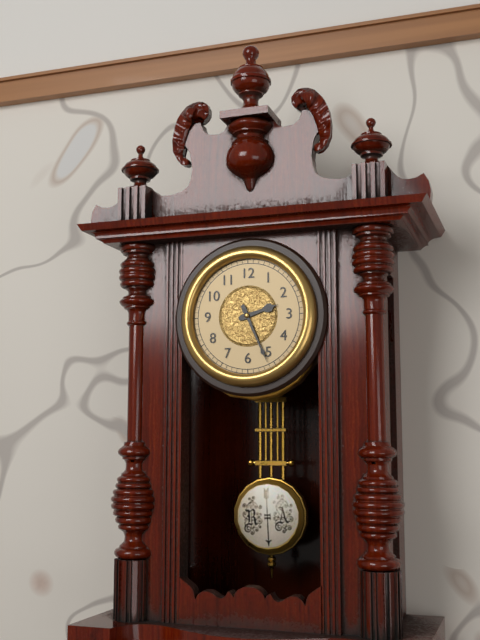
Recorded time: 2.26
